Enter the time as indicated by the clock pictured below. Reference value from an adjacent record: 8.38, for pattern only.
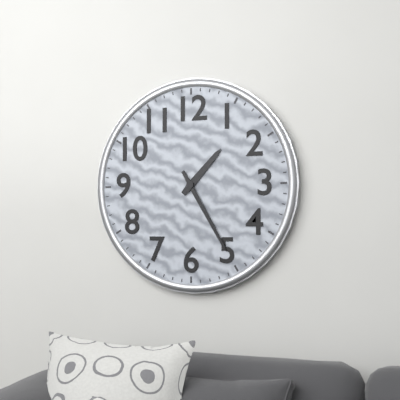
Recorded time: 1.25
